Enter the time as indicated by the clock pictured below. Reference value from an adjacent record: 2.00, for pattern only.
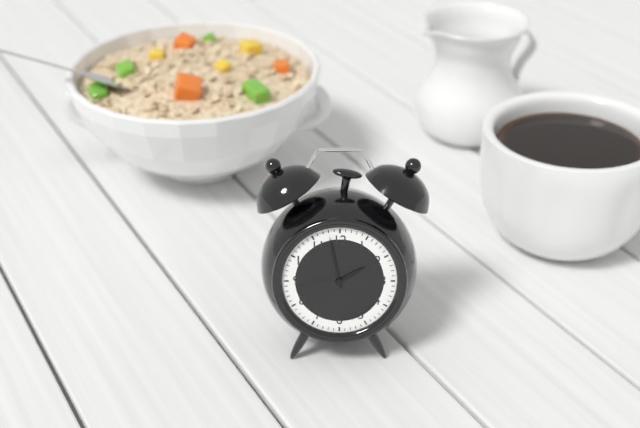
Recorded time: 1.58
